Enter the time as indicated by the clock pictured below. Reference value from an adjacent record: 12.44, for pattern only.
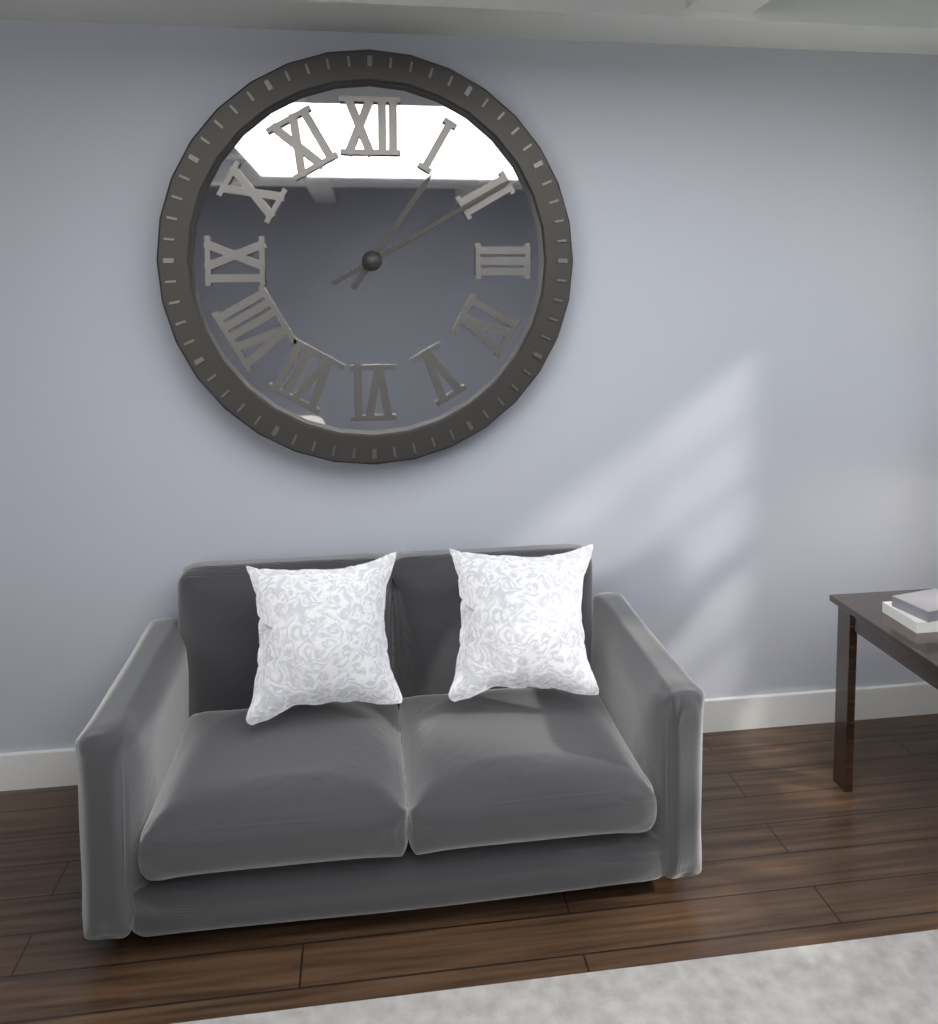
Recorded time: 1.10
